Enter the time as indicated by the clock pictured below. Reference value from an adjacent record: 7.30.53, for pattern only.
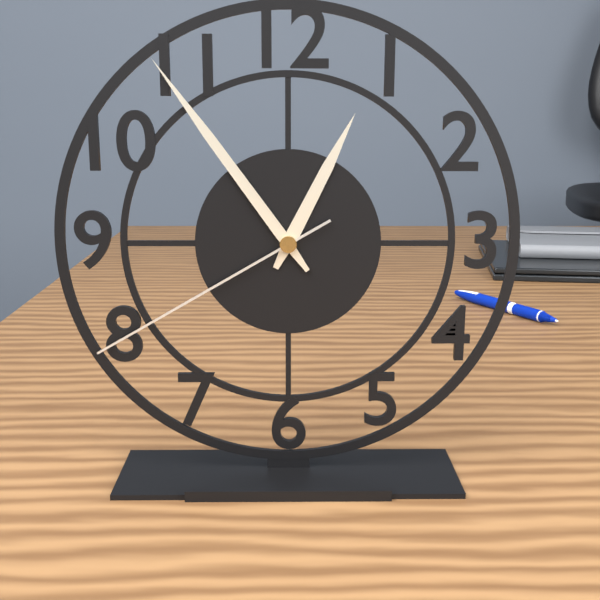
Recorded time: 12.54.40
